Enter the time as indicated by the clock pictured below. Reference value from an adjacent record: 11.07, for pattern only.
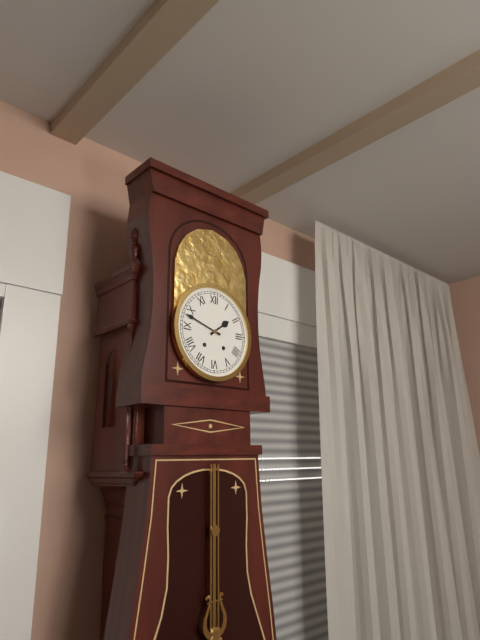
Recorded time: 1.48
